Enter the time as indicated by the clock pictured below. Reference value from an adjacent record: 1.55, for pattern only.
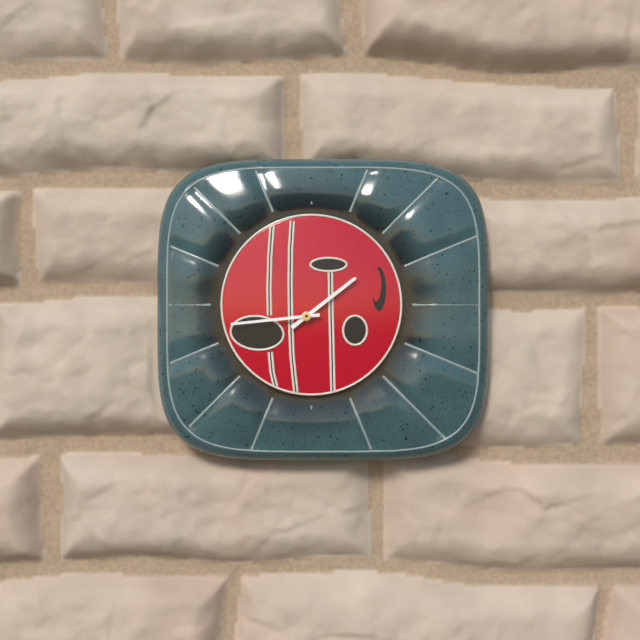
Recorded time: 1.44
